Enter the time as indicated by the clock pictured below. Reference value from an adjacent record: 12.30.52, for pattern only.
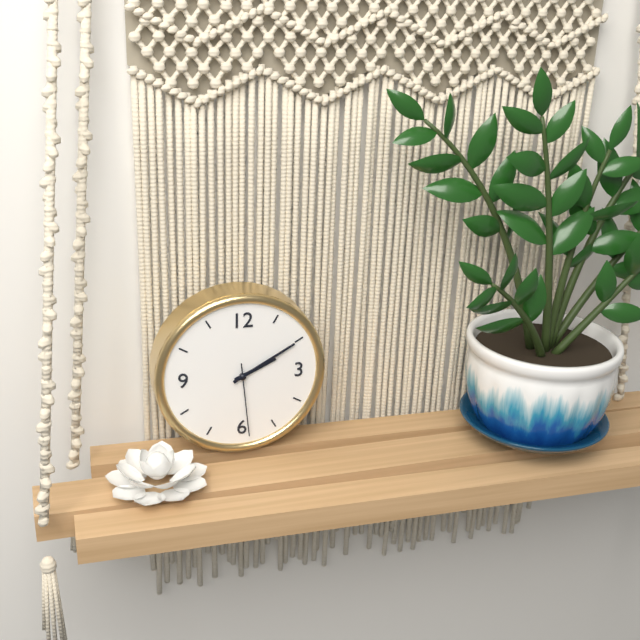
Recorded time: 2.10.29
